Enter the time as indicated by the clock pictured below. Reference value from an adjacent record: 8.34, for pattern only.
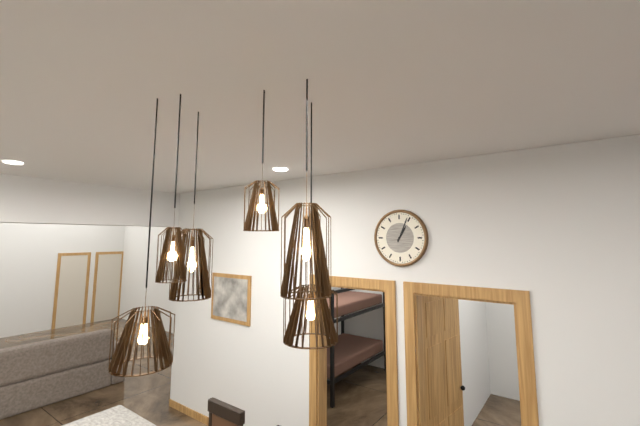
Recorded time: 1.04
